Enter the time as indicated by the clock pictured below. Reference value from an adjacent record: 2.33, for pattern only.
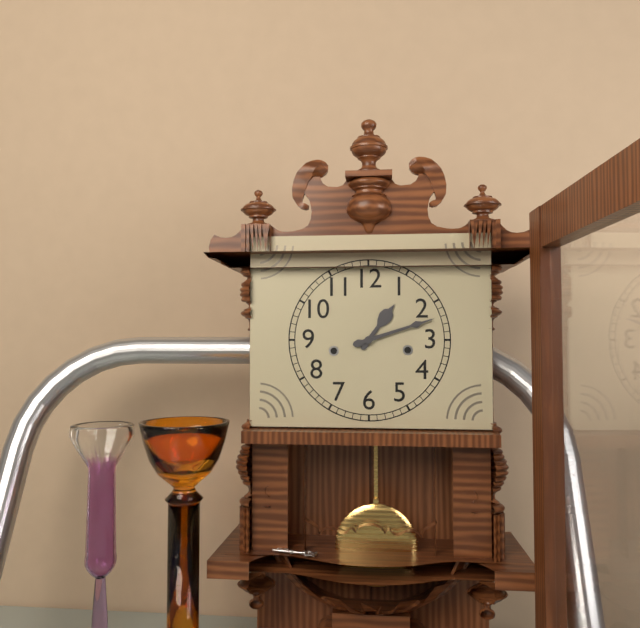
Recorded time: 1.12
